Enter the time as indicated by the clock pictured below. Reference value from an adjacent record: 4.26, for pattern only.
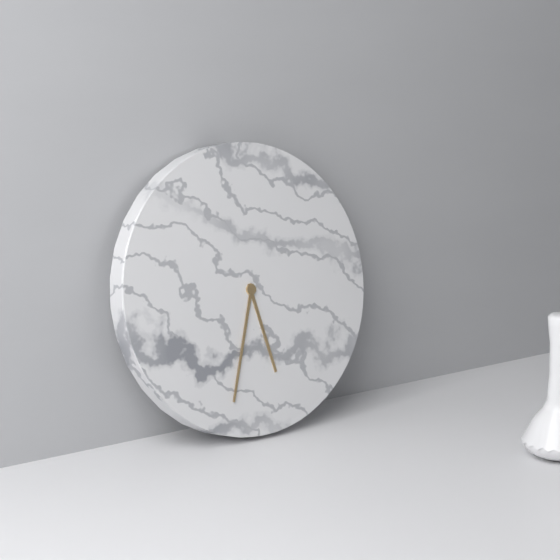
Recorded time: 5.33
